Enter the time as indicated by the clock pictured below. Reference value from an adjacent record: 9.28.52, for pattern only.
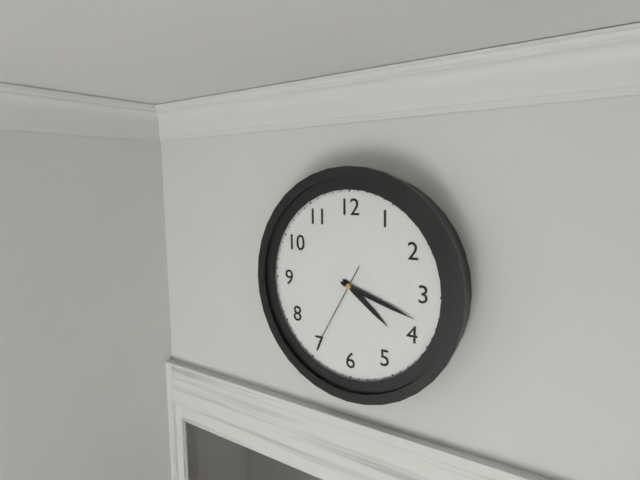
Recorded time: 4.18.35
